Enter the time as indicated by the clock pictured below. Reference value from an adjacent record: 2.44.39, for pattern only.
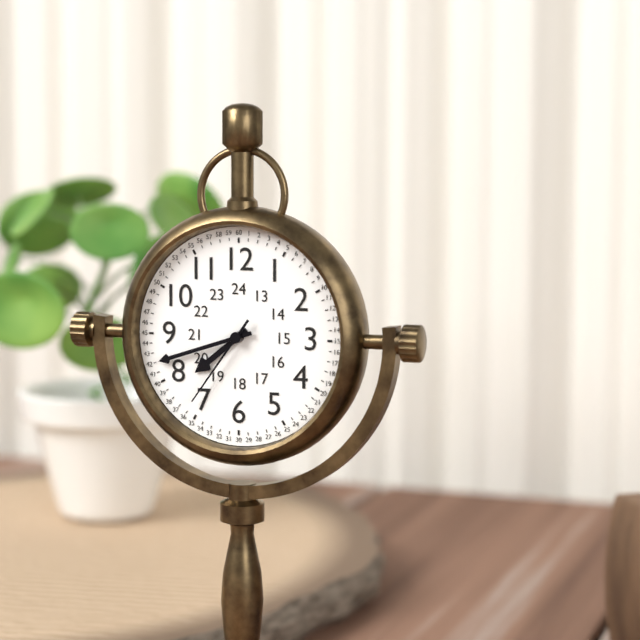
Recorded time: 7.42.36
